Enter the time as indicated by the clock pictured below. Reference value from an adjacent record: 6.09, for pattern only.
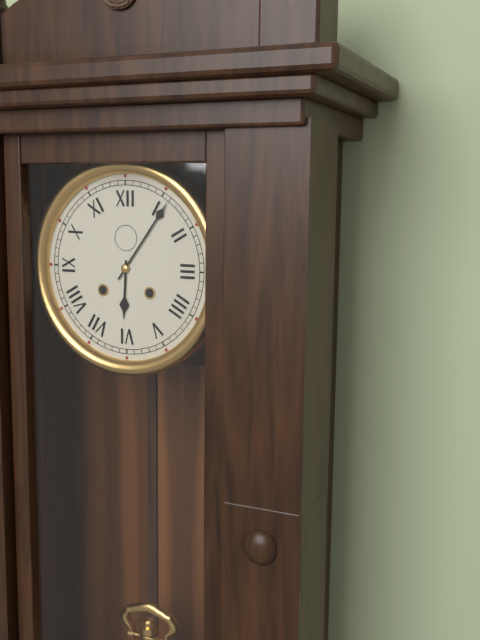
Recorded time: 6.06
